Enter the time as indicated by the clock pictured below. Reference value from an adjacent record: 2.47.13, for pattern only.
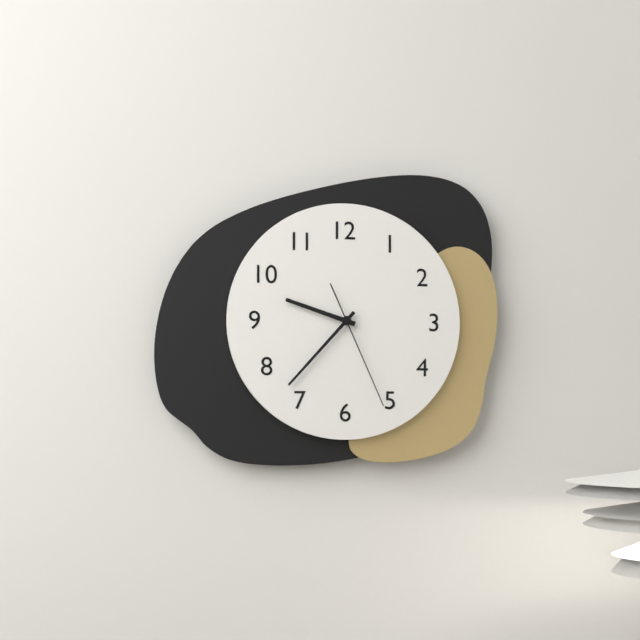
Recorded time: 9.37.26
